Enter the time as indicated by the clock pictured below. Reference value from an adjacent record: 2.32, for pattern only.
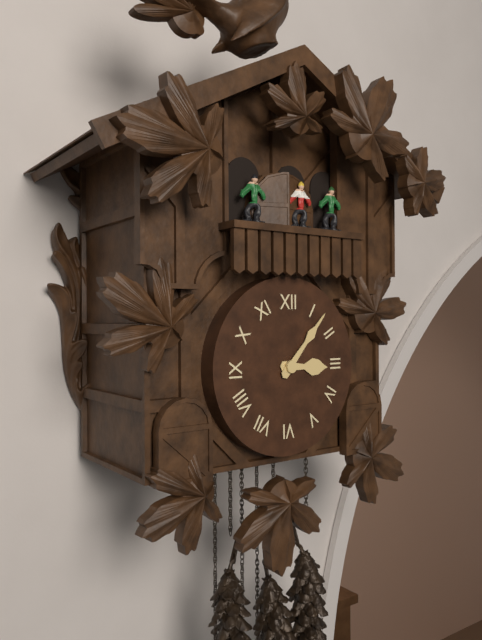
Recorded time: 3.07
